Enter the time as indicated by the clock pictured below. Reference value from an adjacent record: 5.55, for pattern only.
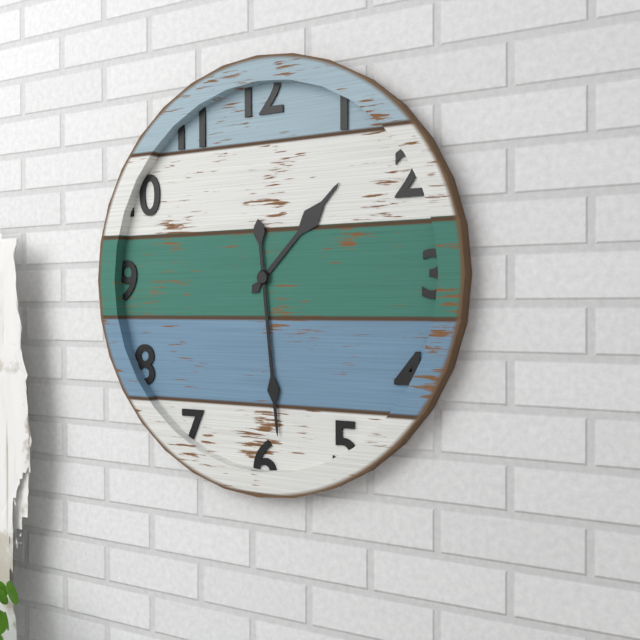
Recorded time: 1.29
